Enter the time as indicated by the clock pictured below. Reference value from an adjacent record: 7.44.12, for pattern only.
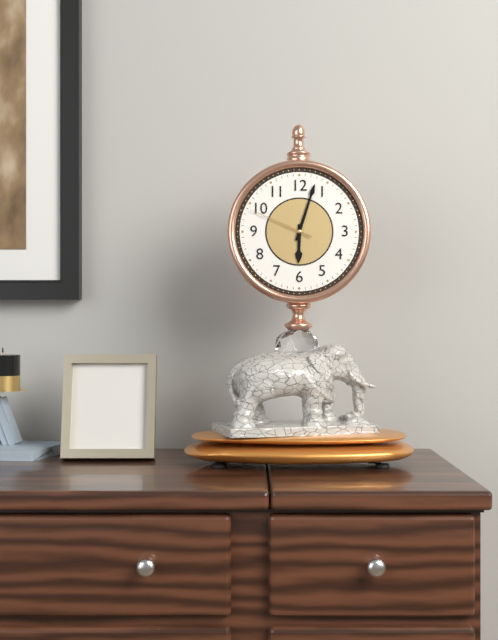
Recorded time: 6.03.49
